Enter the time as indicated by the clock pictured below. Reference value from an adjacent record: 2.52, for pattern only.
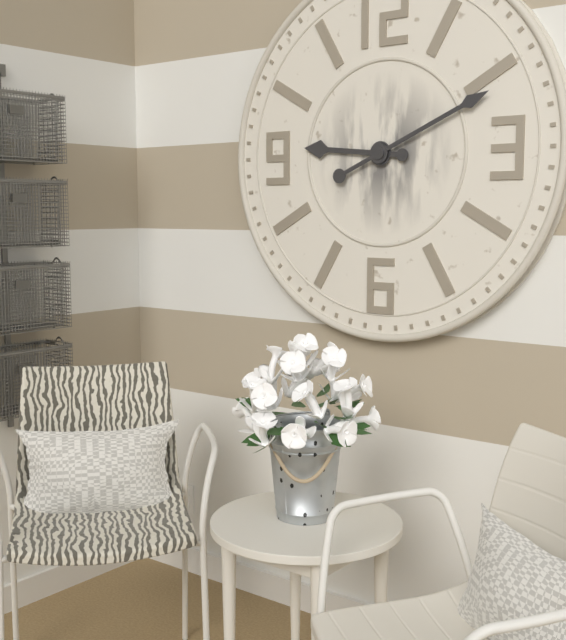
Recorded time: 9.11
